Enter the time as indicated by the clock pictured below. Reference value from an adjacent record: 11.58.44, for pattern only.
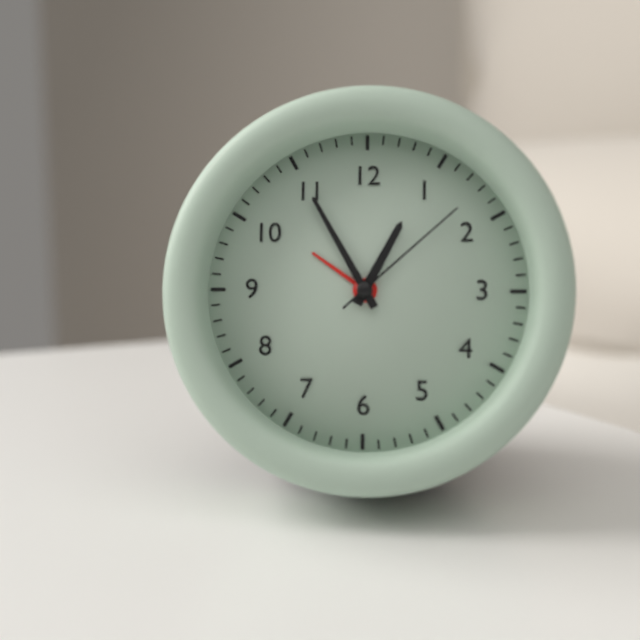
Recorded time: 12.55.08
